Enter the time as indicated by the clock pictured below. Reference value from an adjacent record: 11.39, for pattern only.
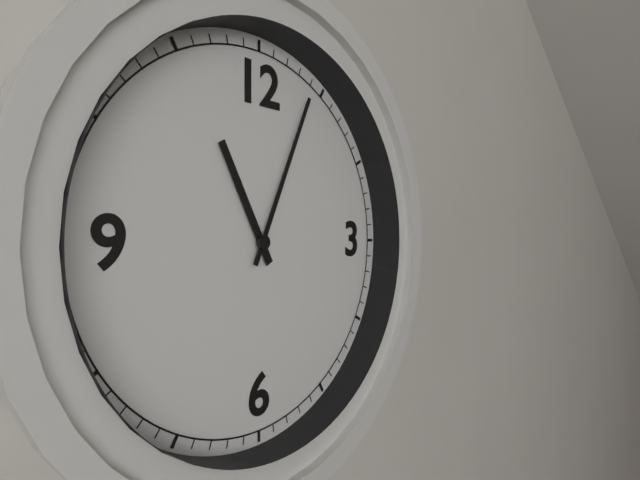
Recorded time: 11.04
